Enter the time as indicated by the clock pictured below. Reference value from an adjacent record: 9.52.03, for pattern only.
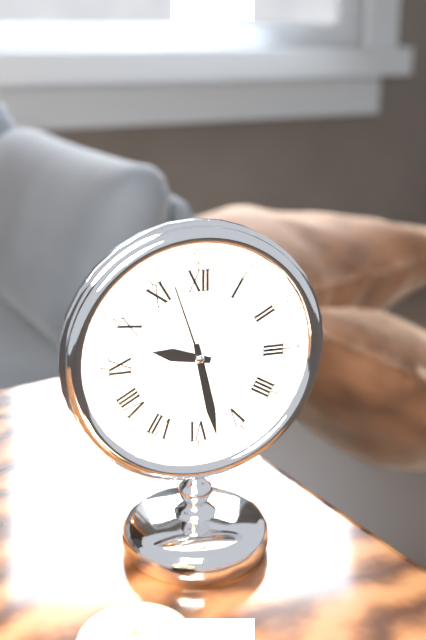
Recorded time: 9.28.57
